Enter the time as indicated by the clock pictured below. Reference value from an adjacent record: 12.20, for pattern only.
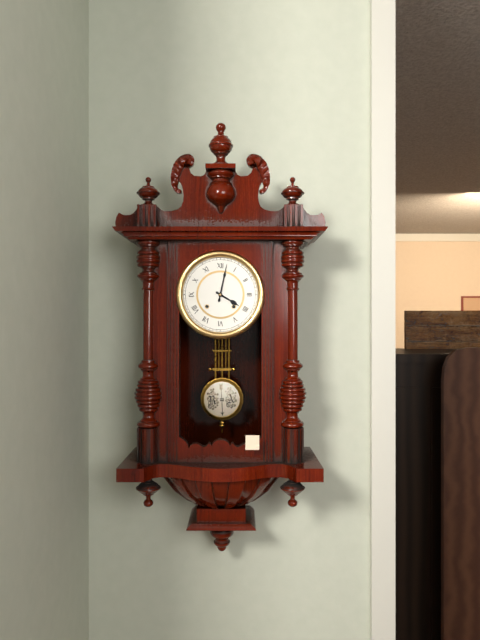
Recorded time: 4.02
